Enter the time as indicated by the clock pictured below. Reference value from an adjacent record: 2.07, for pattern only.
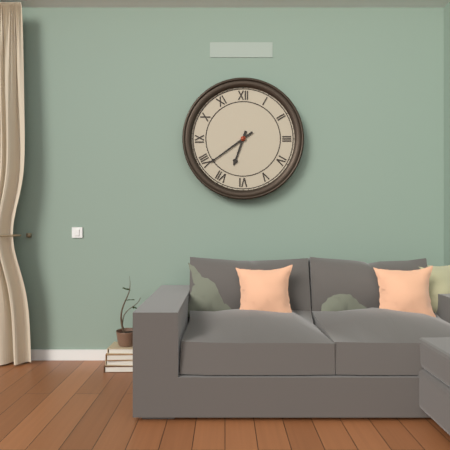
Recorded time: 6.39
